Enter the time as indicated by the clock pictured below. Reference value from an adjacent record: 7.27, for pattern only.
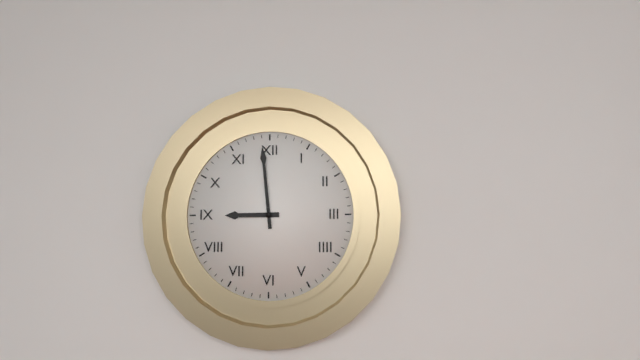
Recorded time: 8.59
